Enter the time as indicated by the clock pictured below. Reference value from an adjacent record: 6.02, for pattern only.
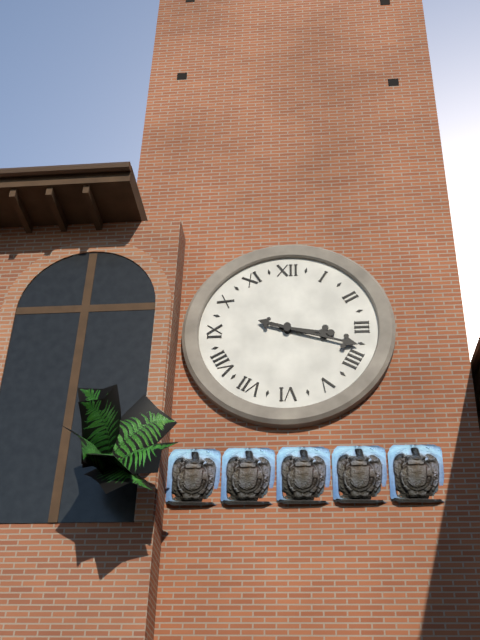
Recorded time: 3.18
